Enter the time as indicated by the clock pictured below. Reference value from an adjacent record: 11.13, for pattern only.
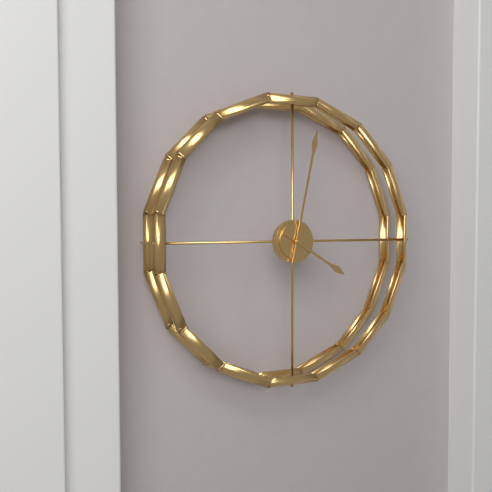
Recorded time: 4.02
